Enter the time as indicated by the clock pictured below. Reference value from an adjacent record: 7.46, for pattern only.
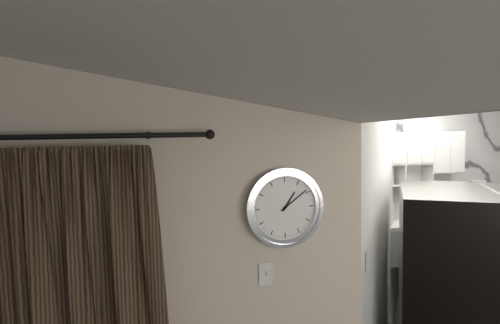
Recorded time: 1.09
